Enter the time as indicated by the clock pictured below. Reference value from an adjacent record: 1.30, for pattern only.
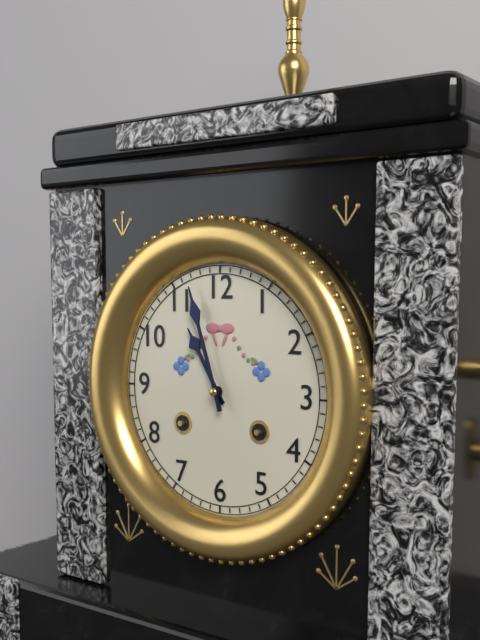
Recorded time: 10.57
